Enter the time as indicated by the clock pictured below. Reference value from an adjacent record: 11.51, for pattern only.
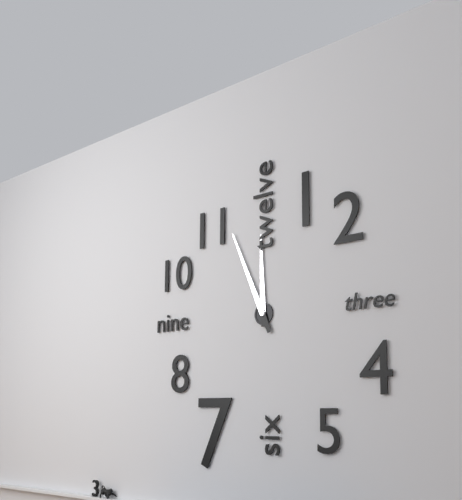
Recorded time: 11.56
